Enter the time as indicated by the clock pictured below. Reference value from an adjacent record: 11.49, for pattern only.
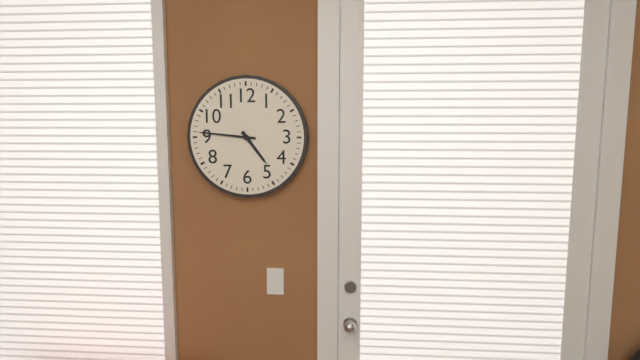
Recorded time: 4.46
